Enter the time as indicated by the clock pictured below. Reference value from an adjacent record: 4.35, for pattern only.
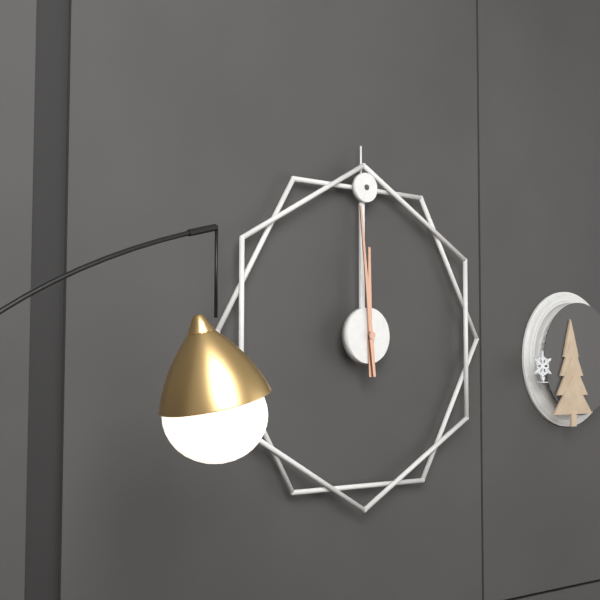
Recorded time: 11.59
